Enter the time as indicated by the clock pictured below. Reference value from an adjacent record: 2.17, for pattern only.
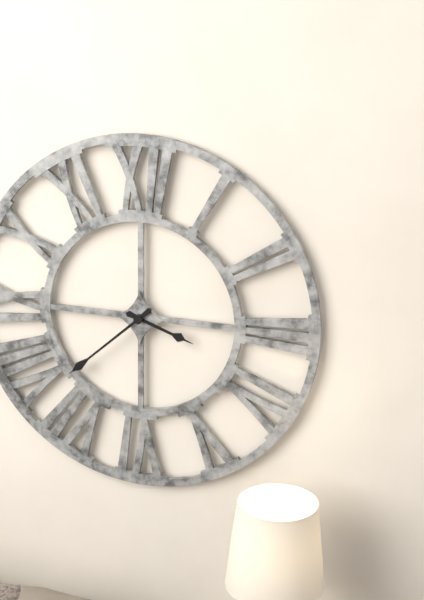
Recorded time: 3.38
